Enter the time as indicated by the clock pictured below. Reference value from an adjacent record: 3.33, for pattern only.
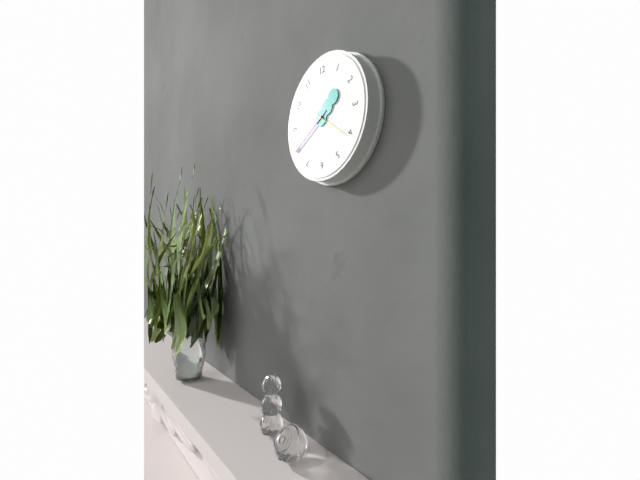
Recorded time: 1.40
